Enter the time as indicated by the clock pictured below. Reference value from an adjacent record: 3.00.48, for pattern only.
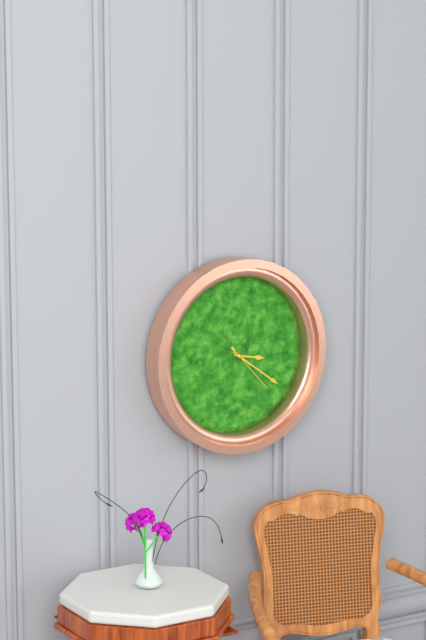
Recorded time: 3.21.23
